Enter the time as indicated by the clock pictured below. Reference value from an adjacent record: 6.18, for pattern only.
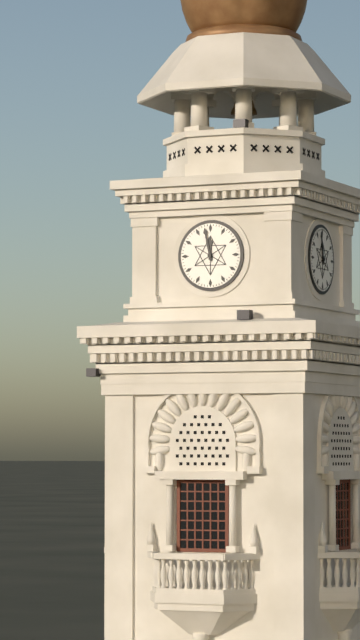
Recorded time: 11.58
